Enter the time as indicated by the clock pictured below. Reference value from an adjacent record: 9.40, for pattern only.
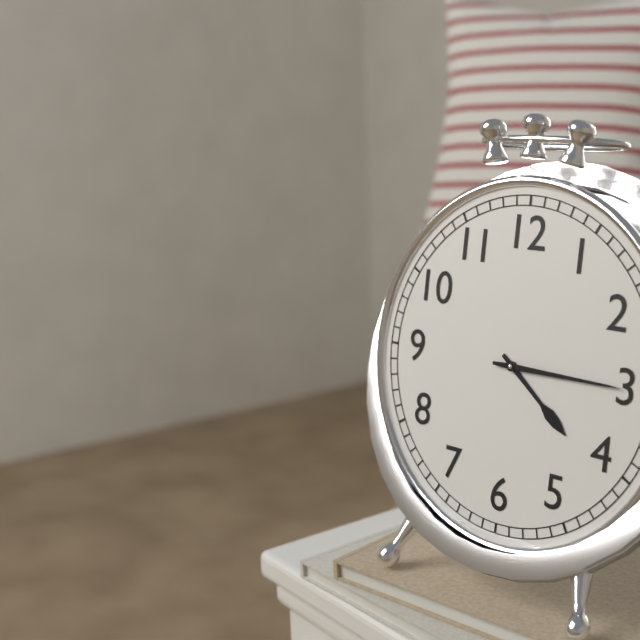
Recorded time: 4.15
